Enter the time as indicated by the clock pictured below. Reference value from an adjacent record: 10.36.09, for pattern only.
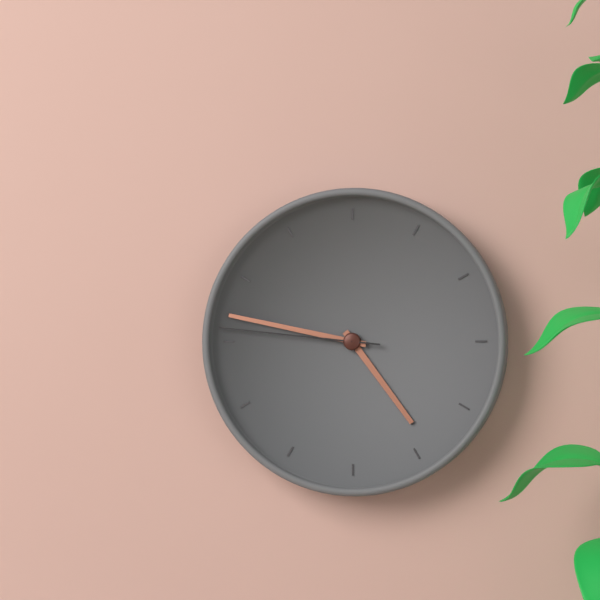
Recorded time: 4.47.46
